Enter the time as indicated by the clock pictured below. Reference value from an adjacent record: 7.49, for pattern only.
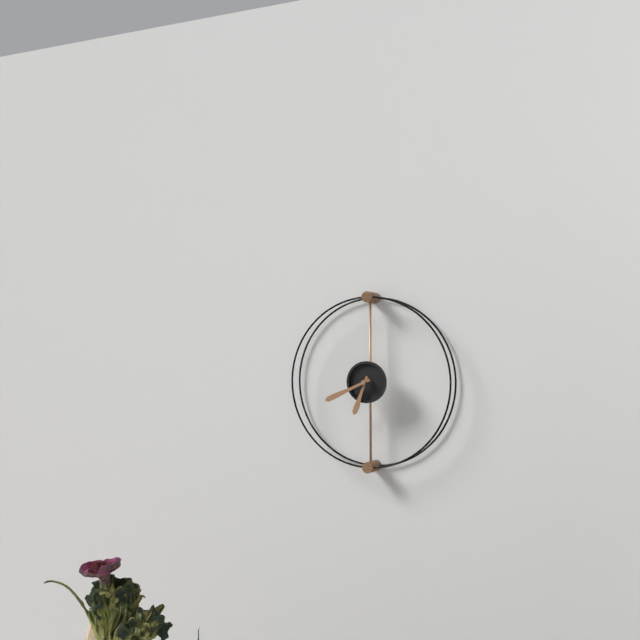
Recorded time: 6.41
